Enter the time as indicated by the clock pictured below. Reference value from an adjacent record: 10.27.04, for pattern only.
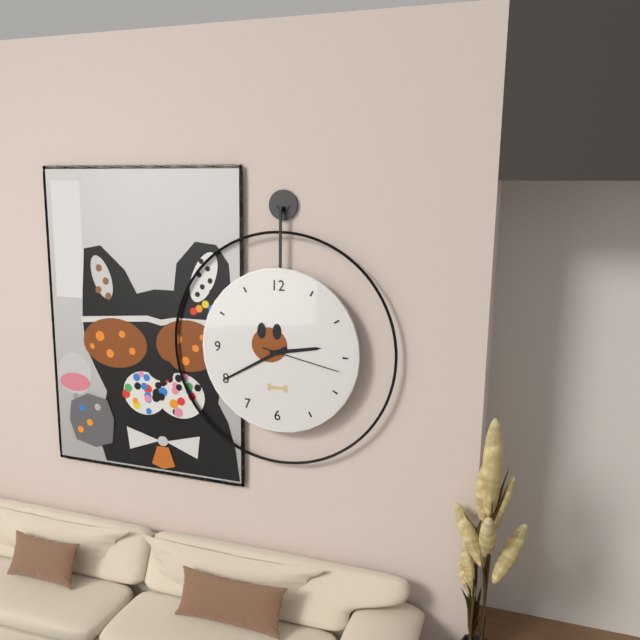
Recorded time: 2.40.17
